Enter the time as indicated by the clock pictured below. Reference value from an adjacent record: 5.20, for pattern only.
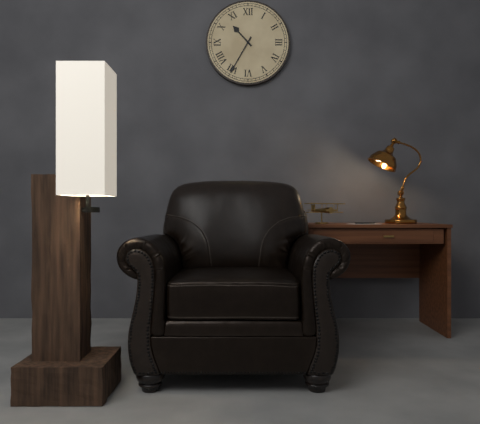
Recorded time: 10.35
